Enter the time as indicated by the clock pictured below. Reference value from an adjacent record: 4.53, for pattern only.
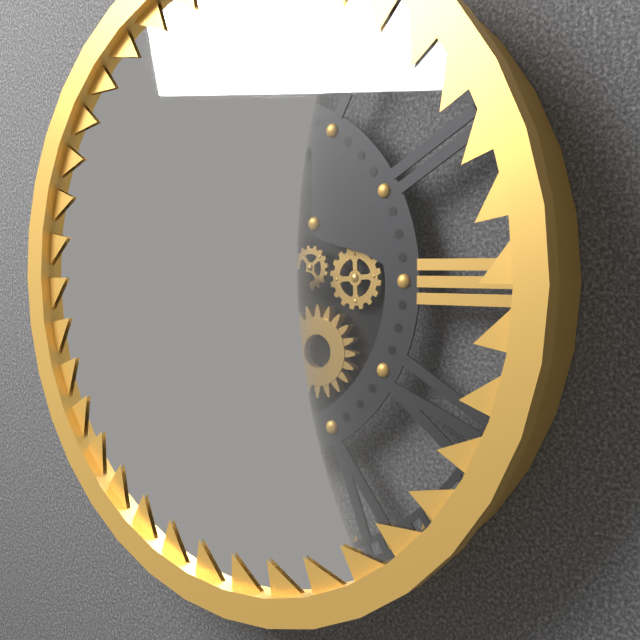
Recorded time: 6.45
